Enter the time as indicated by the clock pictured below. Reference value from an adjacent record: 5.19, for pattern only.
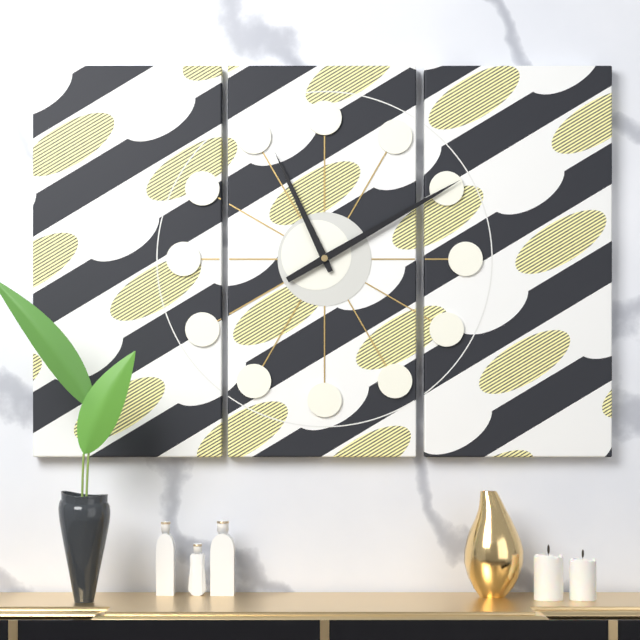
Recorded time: 11.10
